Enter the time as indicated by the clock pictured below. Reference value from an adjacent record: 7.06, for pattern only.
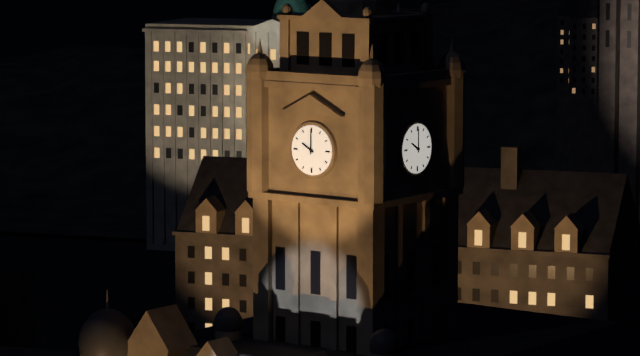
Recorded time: 10.00
